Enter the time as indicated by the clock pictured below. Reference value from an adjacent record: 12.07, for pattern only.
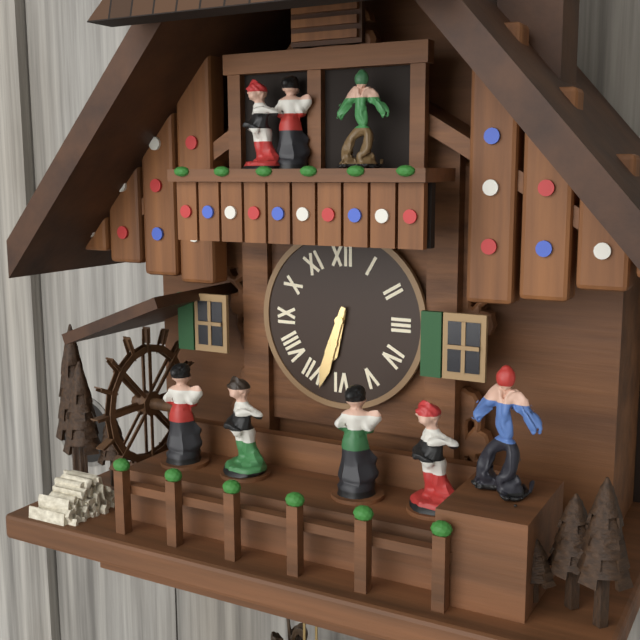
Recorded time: 6.33
